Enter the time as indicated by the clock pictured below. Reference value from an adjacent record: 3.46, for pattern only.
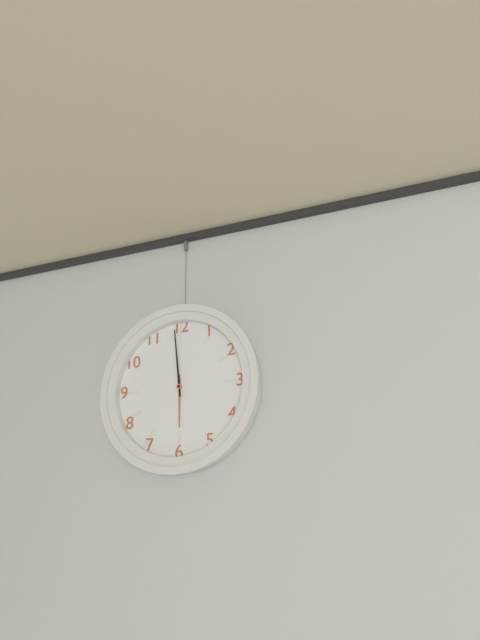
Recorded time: 5.59
